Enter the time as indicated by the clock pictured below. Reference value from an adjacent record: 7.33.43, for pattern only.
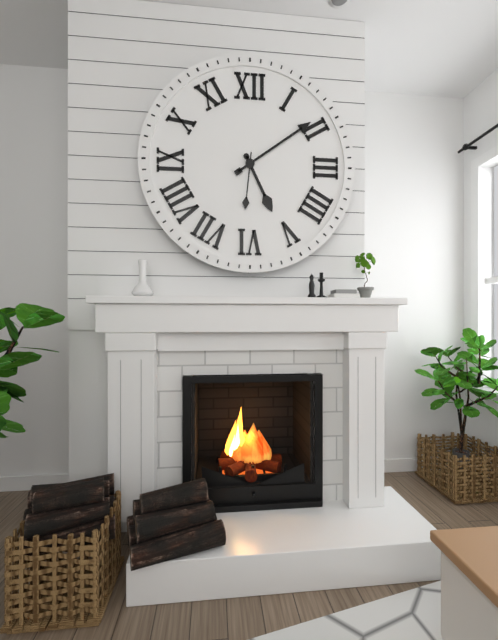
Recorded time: 5.09.31
